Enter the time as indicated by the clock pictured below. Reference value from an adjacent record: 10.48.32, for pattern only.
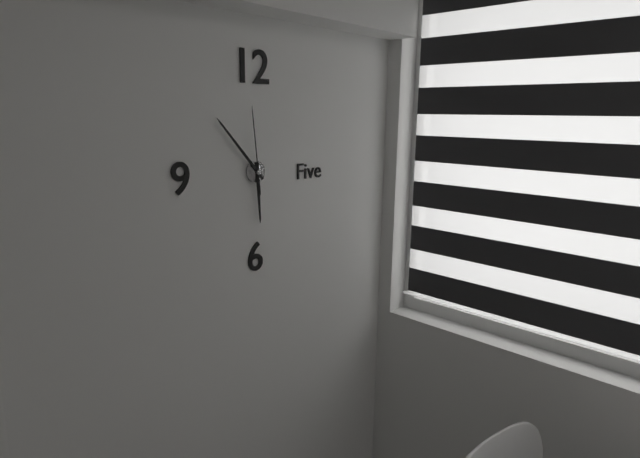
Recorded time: 5.53.59
